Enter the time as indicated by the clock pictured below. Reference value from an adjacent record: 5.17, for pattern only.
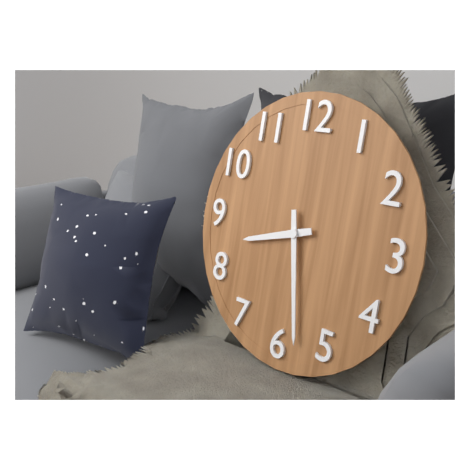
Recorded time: 8.28
